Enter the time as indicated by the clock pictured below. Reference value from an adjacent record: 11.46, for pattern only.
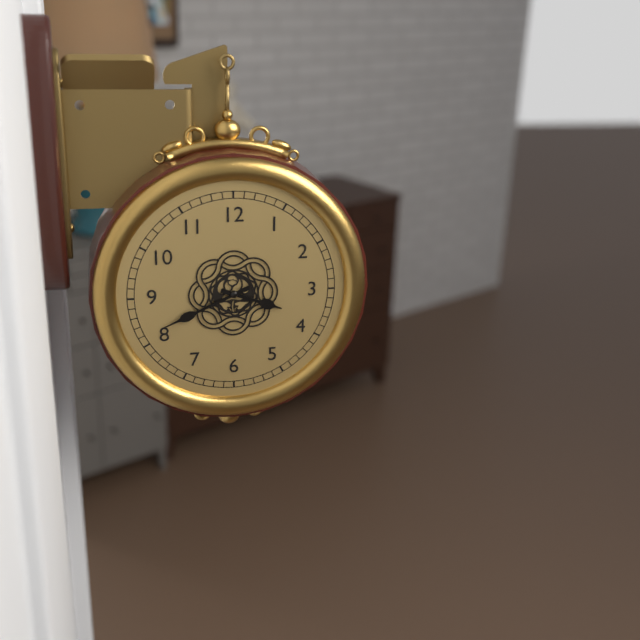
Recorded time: 3.41
